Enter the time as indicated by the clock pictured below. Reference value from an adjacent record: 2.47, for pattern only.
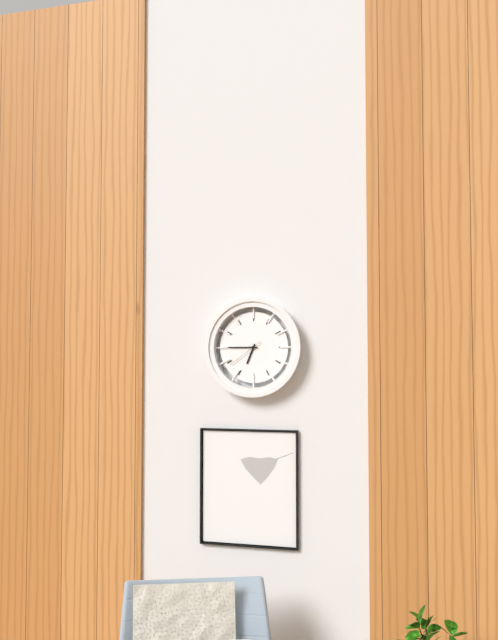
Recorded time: 6.45
